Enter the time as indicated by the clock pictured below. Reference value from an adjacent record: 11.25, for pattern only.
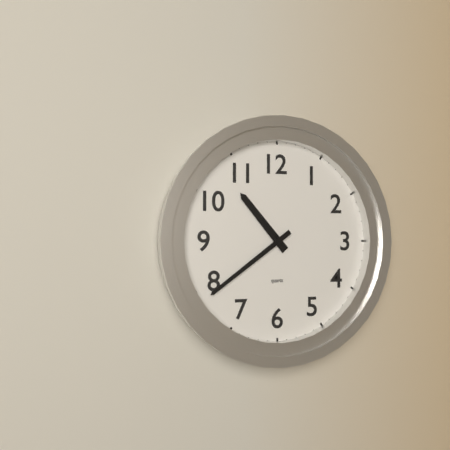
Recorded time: 10.39
